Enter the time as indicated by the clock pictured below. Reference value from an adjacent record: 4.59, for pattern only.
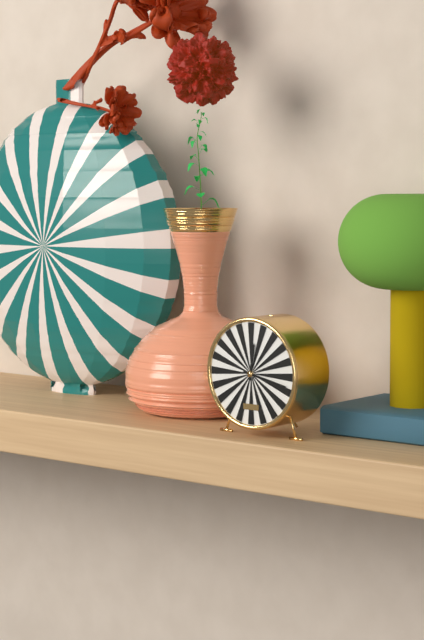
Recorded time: 12.17
